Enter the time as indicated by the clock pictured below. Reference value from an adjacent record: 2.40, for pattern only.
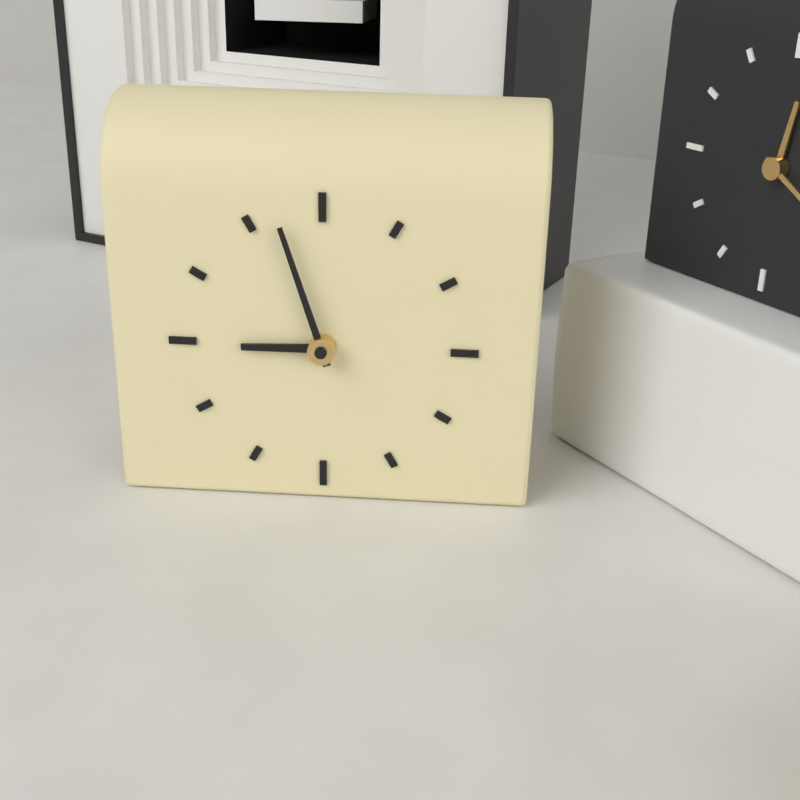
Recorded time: 8.57
